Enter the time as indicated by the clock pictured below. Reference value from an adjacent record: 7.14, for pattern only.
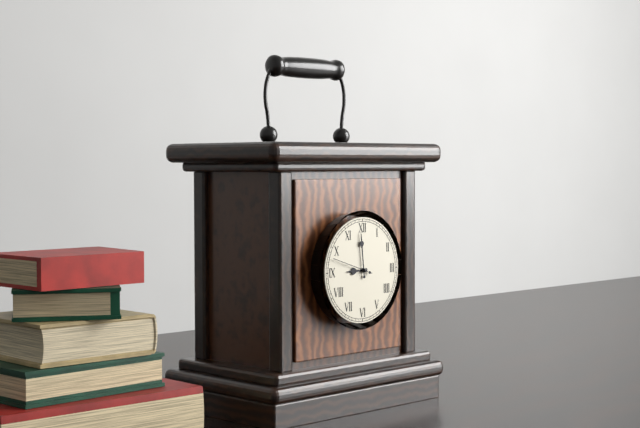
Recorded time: 8.59
